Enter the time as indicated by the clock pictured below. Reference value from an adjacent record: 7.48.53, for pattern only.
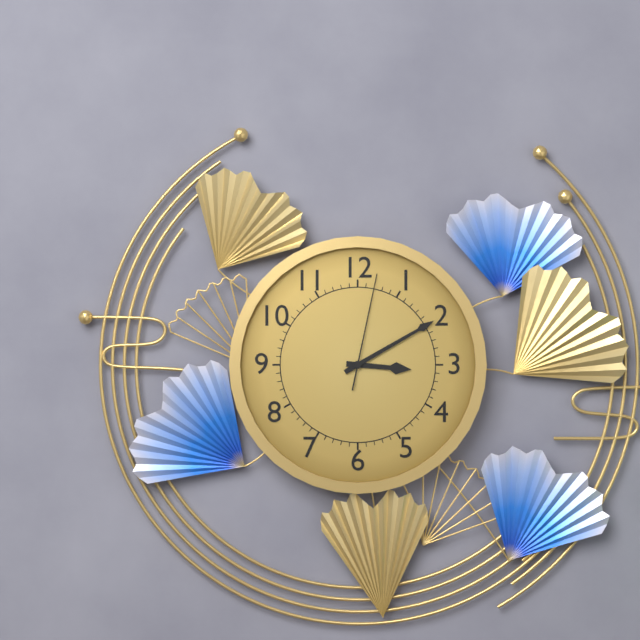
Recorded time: 3.10.02
